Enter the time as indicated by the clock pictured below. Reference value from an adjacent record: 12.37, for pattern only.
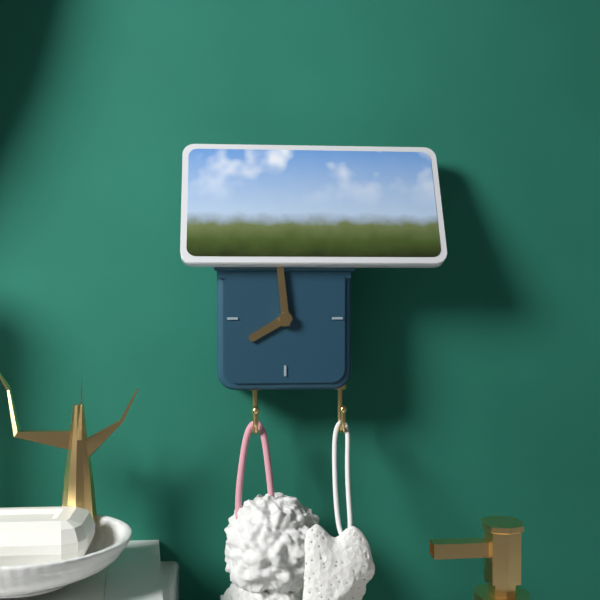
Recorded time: 7.59
